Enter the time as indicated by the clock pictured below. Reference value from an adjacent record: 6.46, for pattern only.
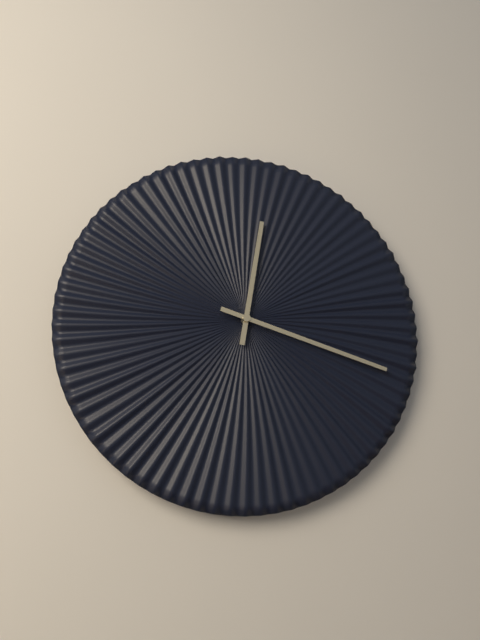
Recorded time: 12.18
